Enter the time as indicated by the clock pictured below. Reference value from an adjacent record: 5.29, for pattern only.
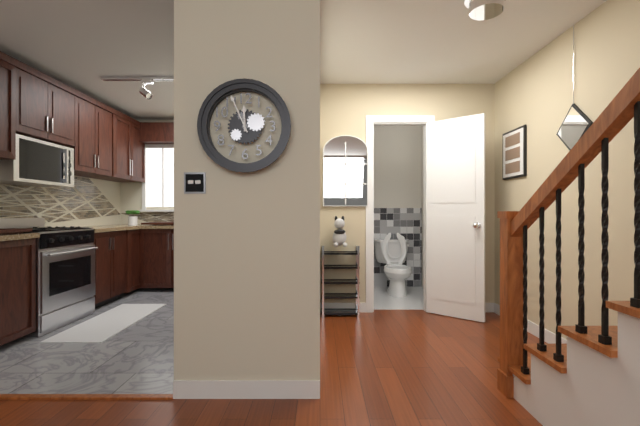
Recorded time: 11.56
